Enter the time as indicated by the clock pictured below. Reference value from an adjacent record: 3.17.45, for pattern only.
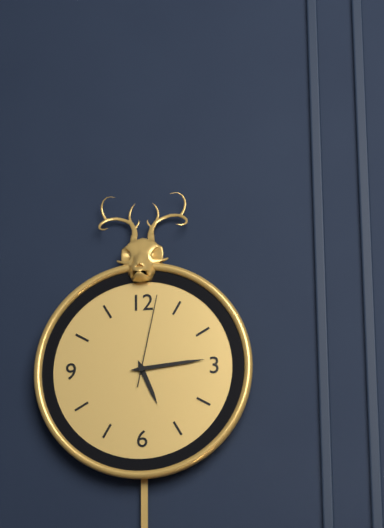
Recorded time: 5.14.02
